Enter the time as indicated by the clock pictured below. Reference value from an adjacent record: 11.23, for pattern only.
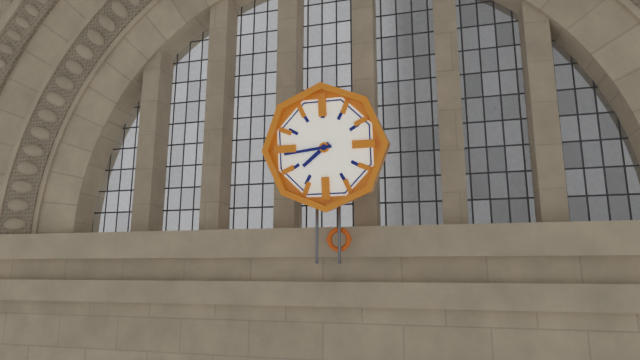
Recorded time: 7.44
